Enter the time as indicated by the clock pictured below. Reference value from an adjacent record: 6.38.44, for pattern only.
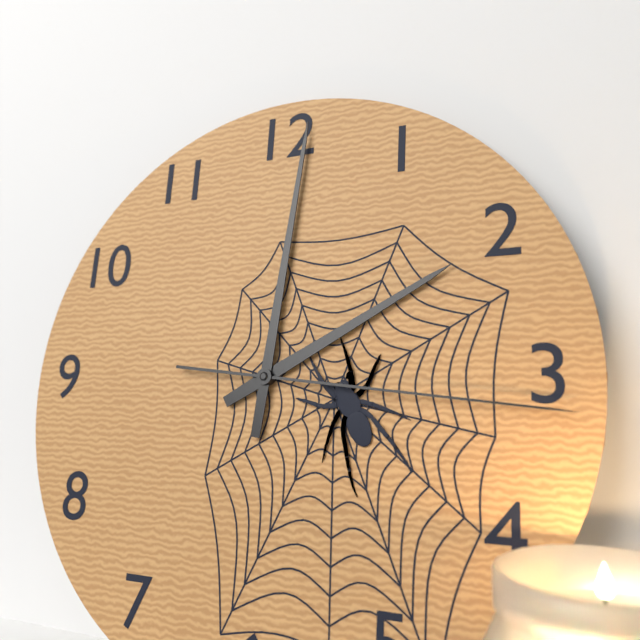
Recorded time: 2.01.16
